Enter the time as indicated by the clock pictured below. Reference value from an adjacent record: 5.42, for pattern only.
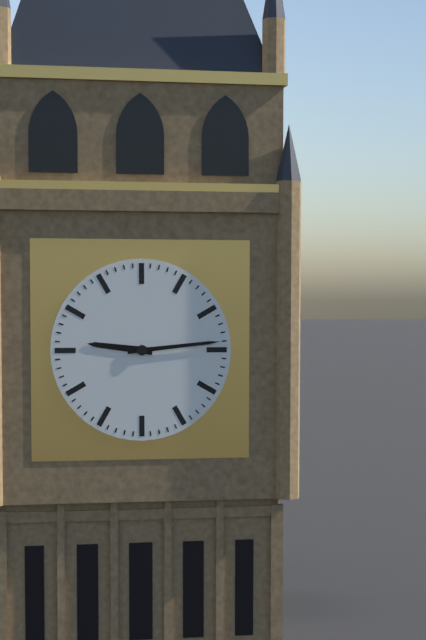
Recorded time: 9.14
